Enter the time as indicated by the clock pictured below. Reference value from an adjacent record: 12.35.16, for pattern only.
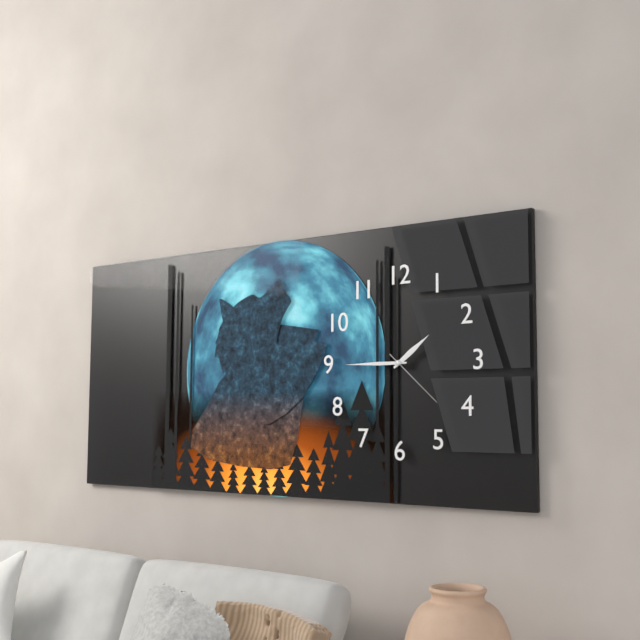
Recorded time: 1.45.22
